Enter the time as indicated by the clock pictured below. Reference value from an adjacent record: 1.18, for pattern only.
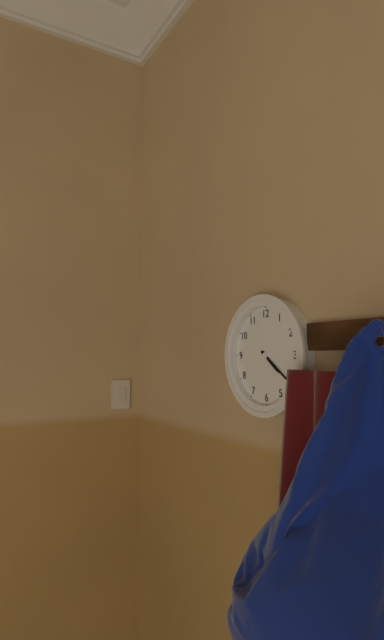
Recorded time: 4.21
